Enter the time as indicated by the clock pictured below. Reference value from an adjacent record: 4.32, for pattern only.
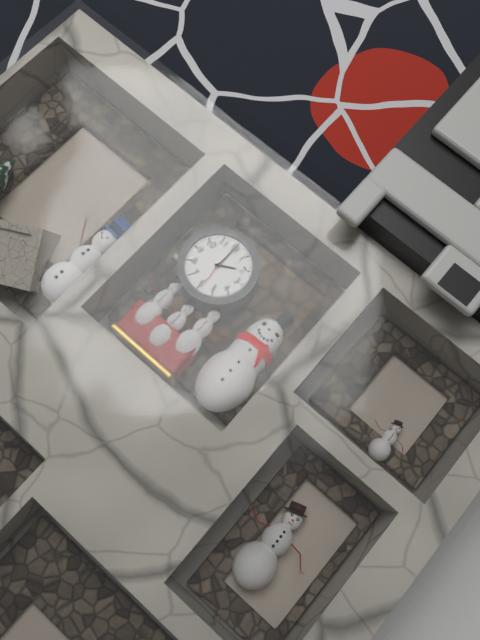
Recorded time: 2.00
